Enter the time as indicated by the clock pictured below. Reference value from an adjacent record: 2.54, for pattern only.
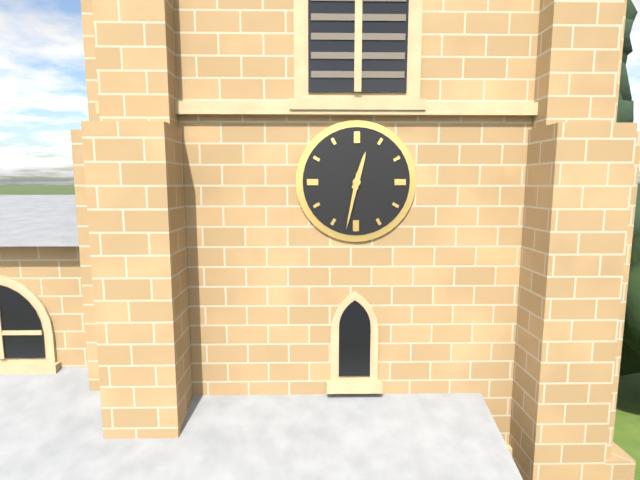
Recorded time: 12.32
